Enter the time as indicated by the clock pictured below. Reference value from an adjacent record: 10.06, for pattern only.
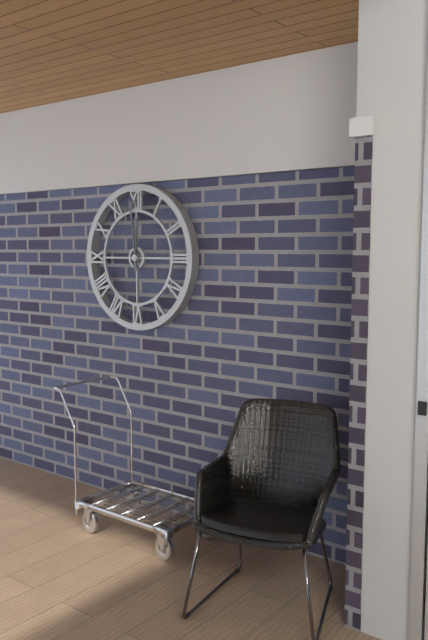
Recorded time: 11.59
